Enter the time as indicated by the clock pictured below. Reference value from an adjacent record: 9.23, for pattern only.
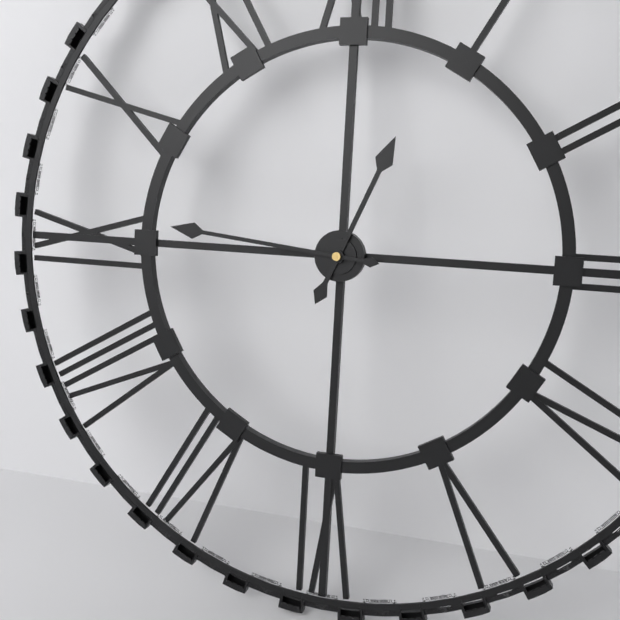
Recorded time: 12.46
